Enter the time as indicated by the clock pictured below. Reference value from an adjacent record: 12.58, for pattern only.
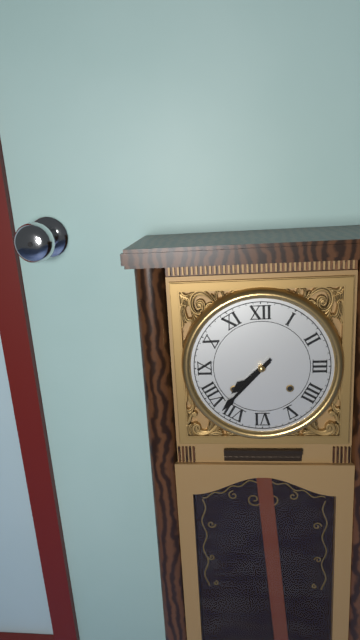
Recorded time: 7.37
